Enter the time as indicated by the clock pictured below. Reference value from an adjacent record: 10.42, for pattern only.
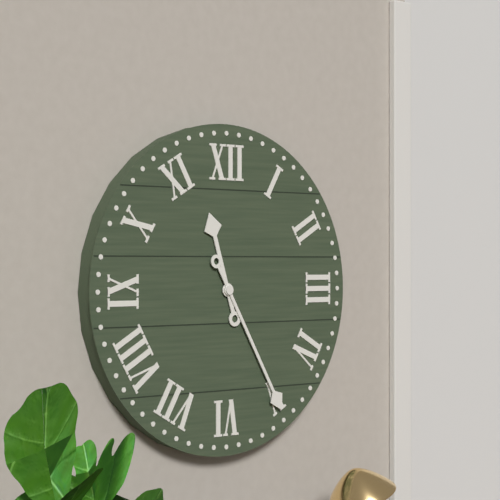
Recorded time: 11.25
